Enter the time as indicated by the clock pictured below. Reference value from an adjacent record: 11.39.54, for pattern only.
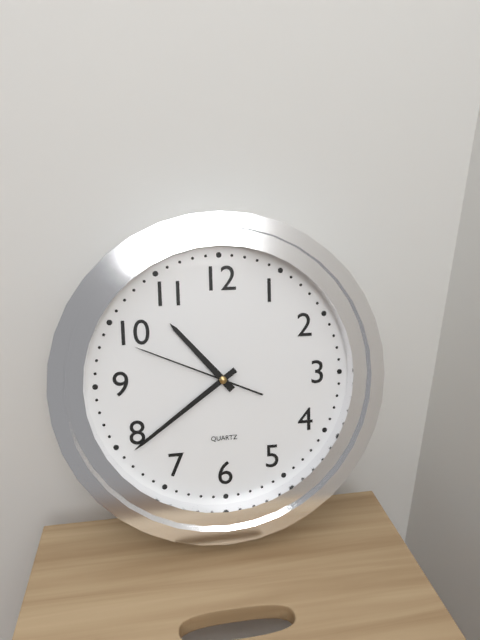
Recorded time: 10.39.49
